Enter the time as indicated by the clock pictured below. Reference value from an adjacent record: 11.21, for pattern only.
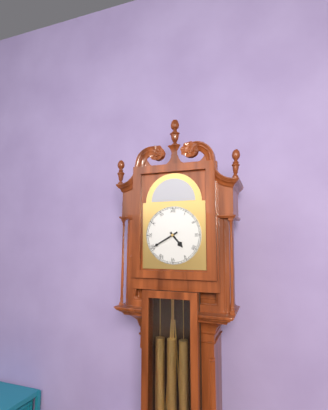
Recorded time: 4.40
